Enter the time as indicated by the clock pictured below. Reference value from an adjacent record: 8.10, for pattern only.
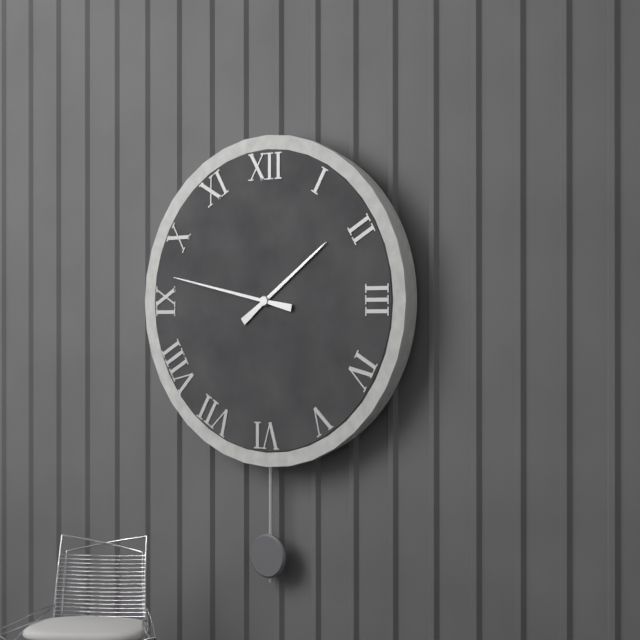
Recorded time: 1.47
